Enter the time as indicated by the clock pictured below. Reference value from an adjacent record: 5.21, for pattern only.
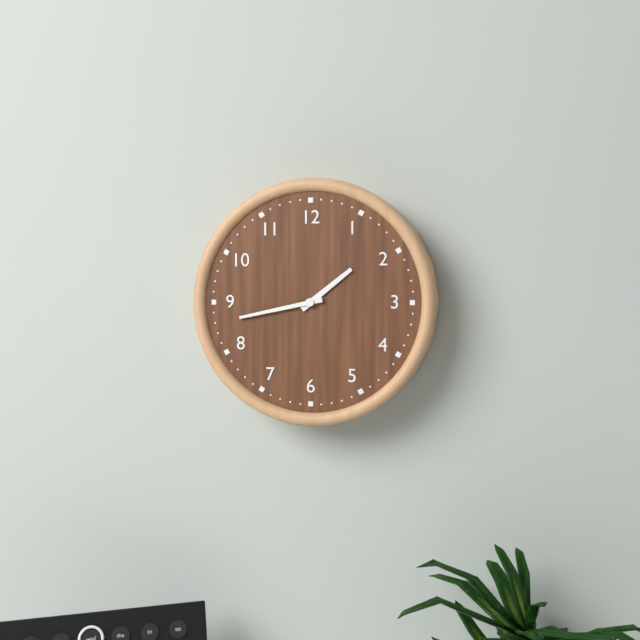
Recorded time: 1.43
